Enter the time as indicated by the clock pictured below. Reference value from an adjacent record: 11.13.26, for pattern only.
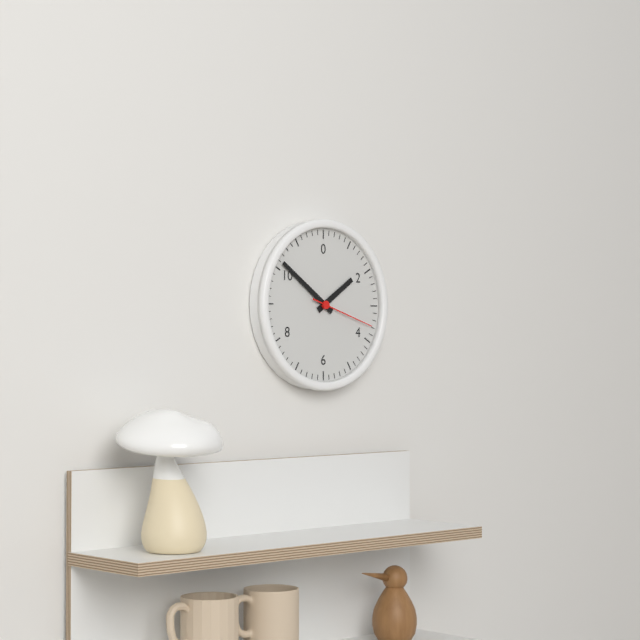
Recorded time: 1.51.18
